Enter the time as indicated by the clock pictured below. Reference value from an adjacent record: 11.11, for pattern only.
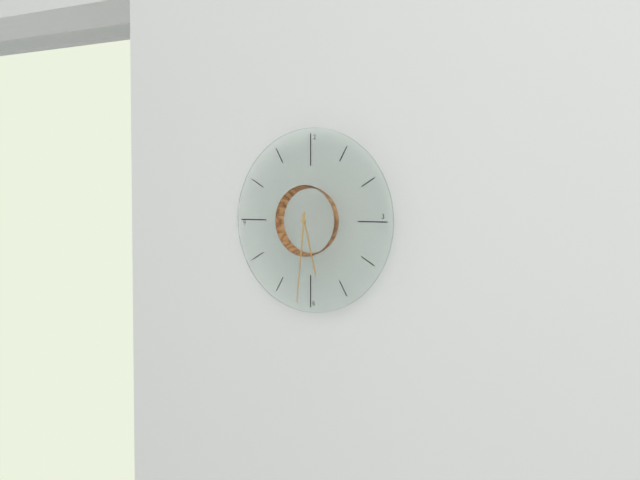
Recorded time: 5.31
